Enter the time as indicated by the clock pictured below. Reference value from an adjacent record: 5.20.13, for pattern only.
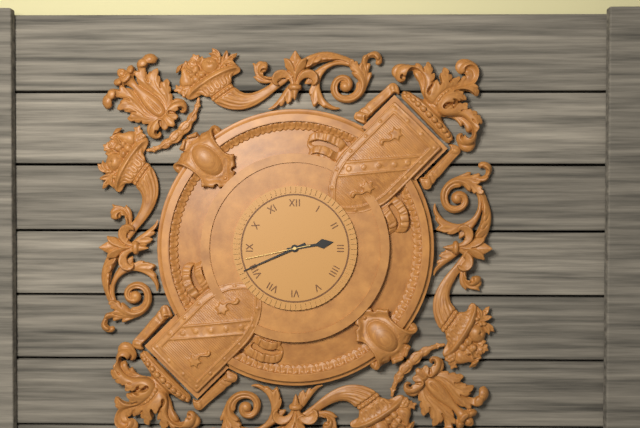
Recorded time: 2.41.43
